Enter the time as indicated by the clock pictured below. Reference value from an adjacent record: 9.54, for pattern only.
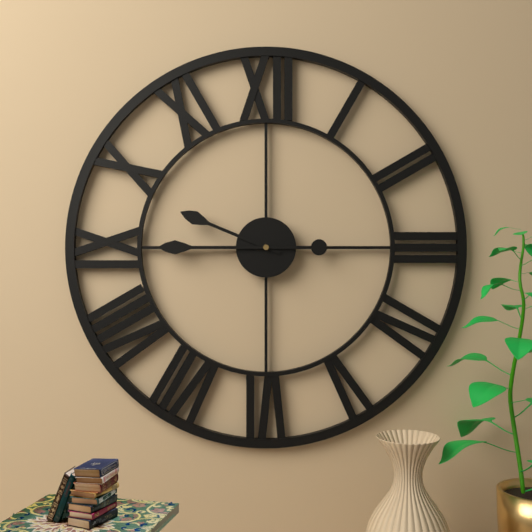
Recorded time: 9.45
